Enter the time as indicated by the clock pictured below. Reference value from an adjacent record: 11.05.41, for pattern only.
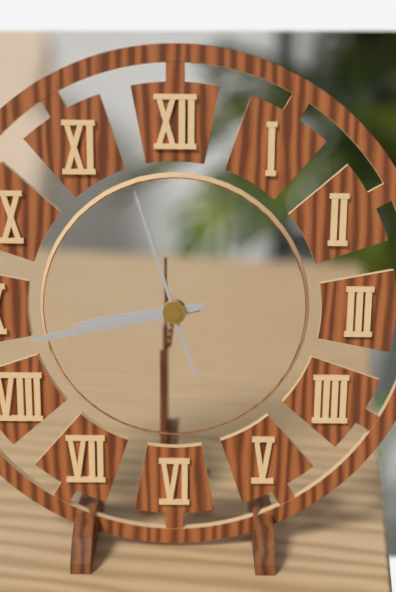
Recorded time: 8.43.57
